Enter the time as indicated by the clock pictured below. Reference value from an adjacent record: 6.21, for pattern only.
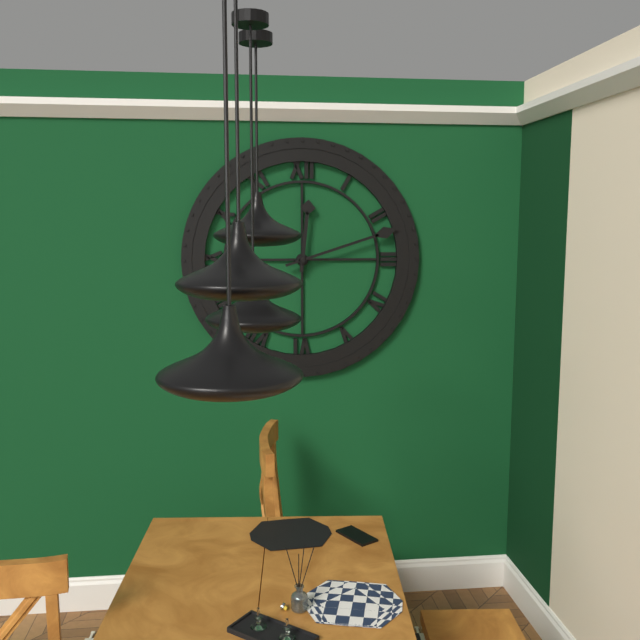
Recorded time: 12.12
